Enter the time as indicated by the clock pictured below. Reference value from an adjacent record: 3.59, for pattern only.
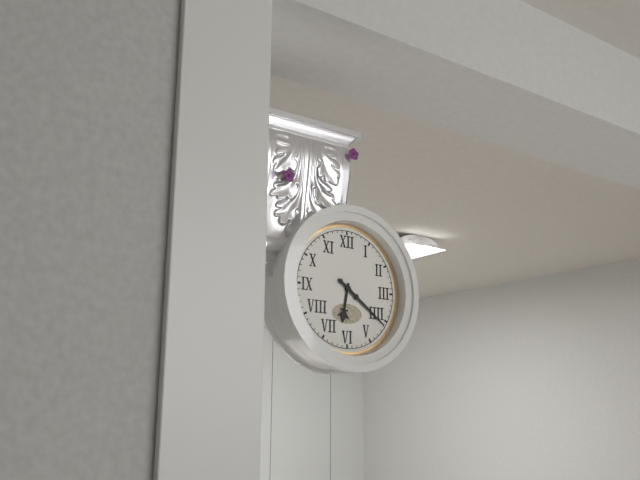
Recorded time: 6.21
